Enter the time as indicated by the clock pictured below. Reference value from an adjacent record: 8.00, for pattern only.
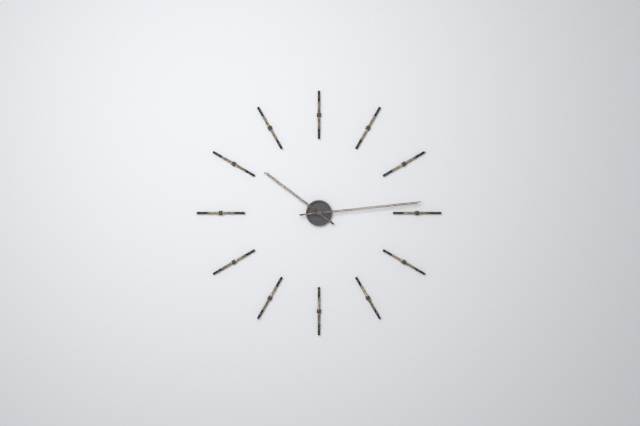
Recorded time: 10.14
